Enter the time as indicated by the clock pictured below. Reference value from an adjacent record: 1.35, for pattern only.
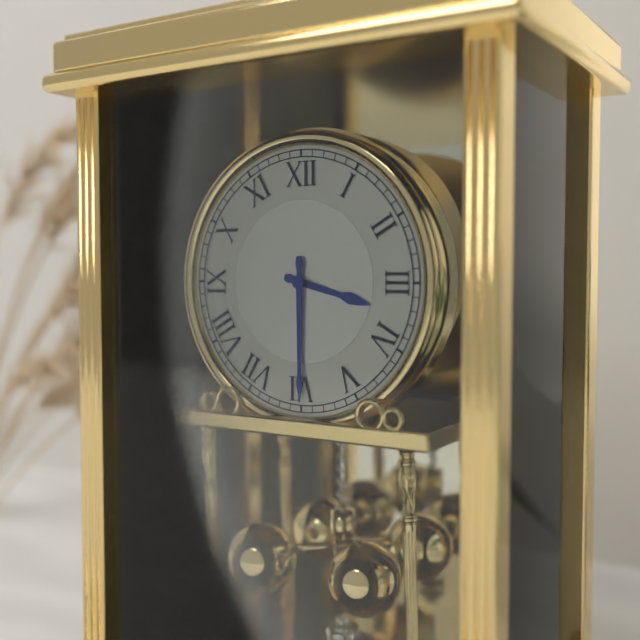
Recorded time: 3.30
